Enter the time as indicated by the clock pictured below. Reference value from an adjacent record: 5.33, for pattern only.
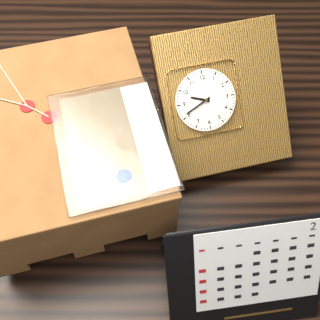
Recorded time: 9.41
